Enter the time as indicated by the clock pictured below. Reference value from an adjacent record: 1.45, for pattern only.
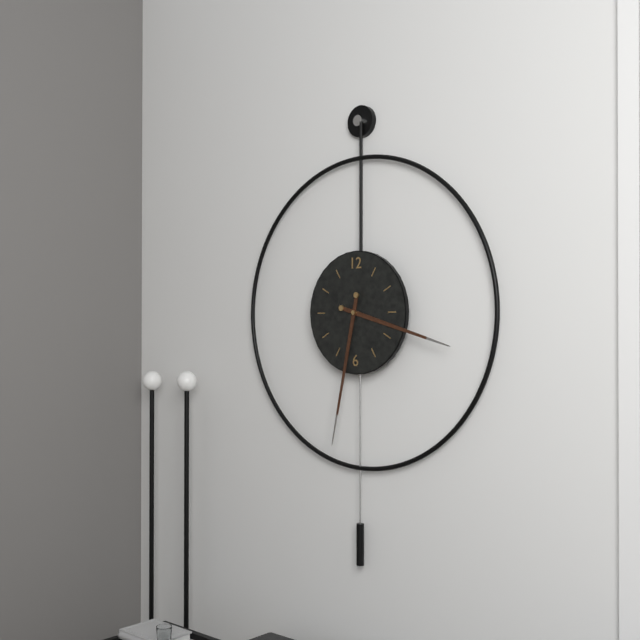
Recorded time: 3.32
